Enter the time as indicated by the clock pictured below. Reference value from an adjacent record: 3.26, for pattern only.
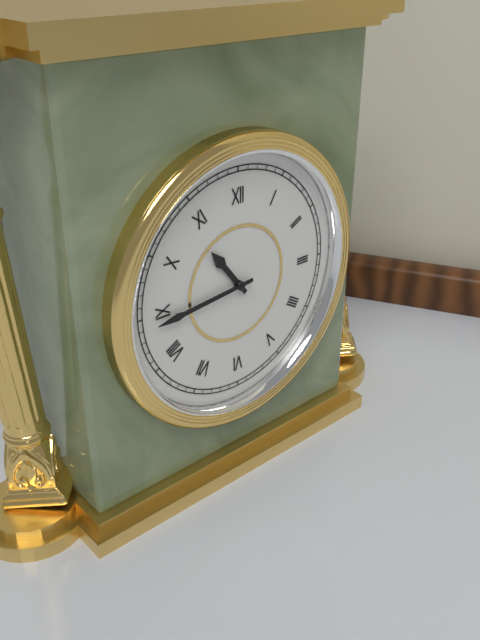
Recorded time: 10.44
